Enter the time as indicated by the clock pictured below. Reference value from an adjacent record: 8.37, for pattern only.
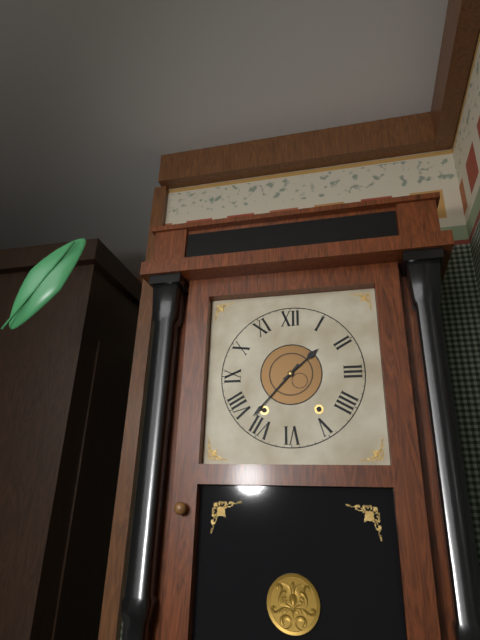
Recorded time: 1.37
